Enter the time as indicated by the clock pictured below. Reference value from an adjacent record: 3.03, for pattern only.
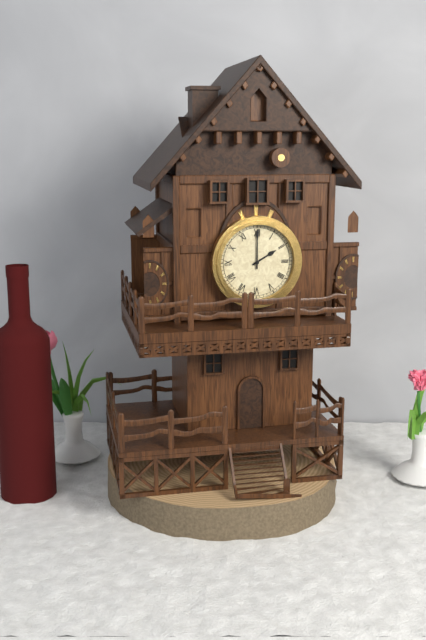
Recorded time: 2.00
